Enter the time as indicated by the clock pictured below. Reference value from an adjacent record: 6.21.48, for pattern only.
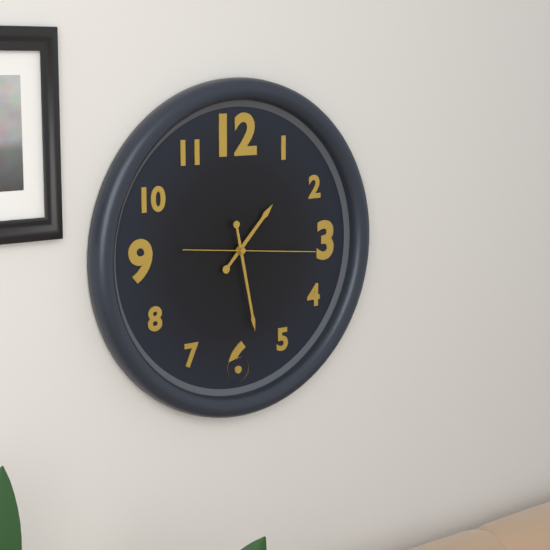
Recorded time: 1.28.16
